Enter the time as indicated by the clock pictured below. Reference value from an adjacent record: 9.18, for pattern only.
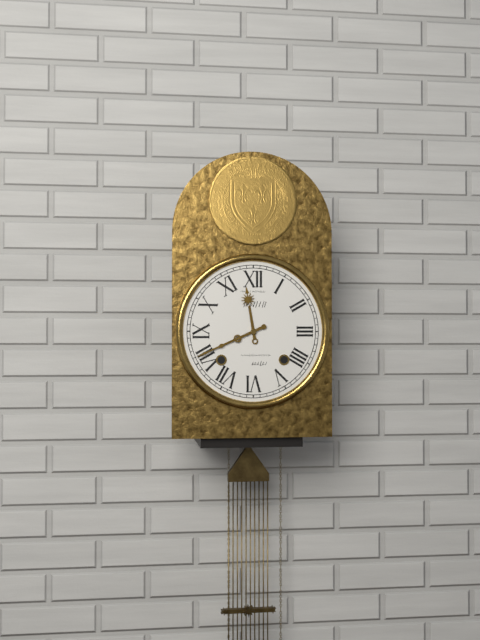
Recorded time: 11.41
